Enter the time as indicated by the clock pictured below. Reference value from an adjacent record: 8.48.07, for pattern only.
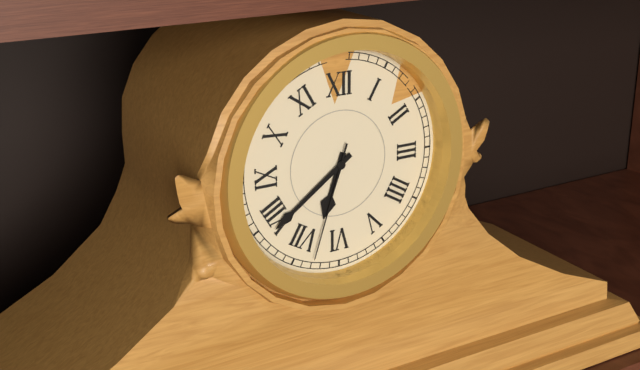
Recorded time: 6.39.33
